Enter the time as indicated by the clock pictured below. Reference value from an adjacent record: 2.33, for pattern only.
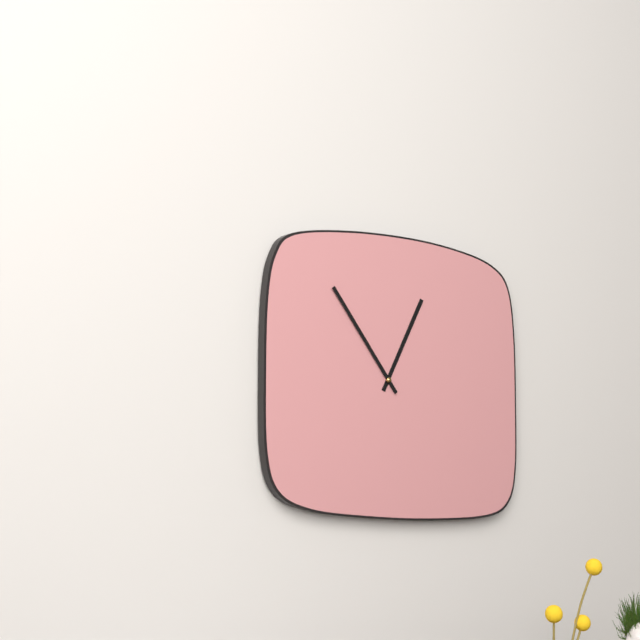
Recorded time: 12.54
